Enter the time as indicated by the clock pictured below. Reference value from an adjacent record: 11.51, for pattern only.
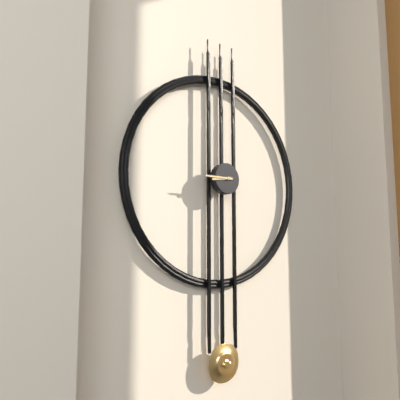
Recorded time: 8.45
